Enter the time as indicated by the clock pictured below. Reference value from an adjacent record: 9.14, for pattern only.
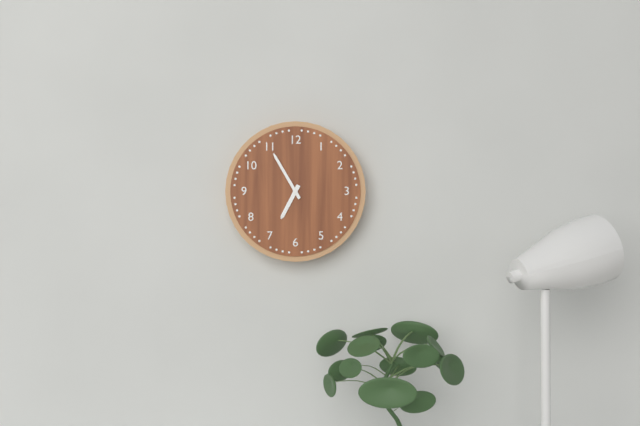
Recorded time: 6.55
